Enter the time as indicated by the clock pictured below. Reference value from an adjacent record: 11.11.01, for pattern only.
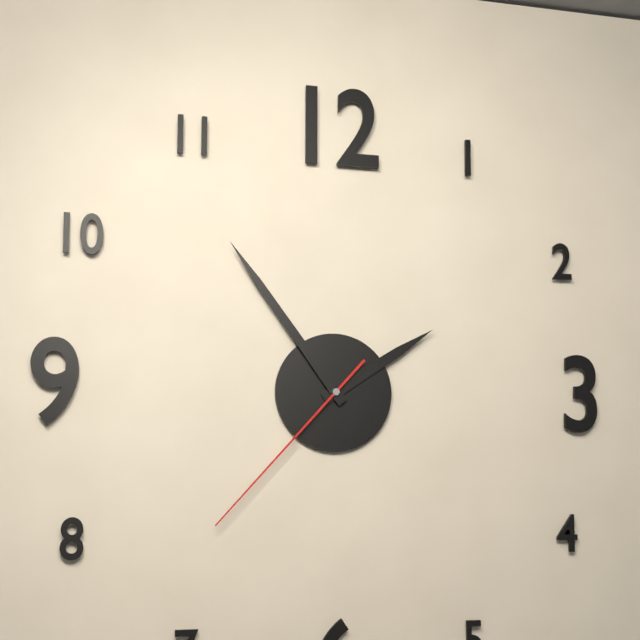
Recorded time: 1.54.37
